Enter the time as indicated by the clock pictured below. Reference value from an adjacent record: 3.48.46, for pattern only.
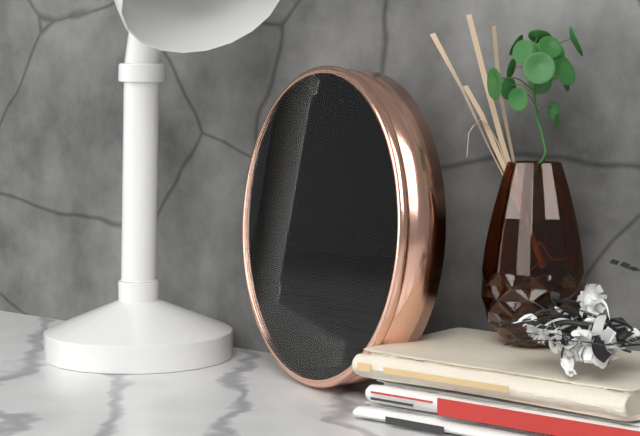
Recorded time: 5.42.47
